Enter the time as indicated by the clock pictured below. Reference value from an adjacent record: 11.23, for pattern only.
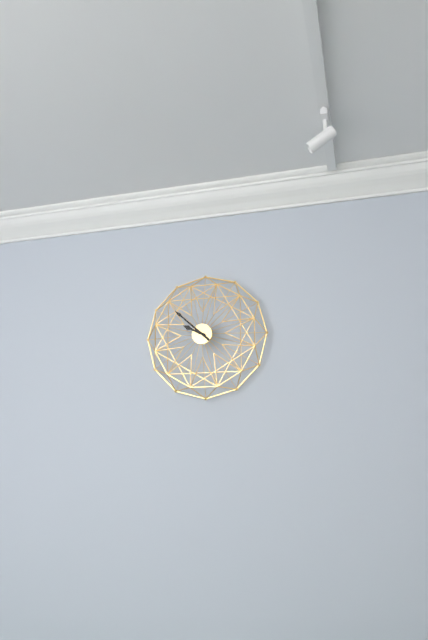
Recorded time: 9.52
